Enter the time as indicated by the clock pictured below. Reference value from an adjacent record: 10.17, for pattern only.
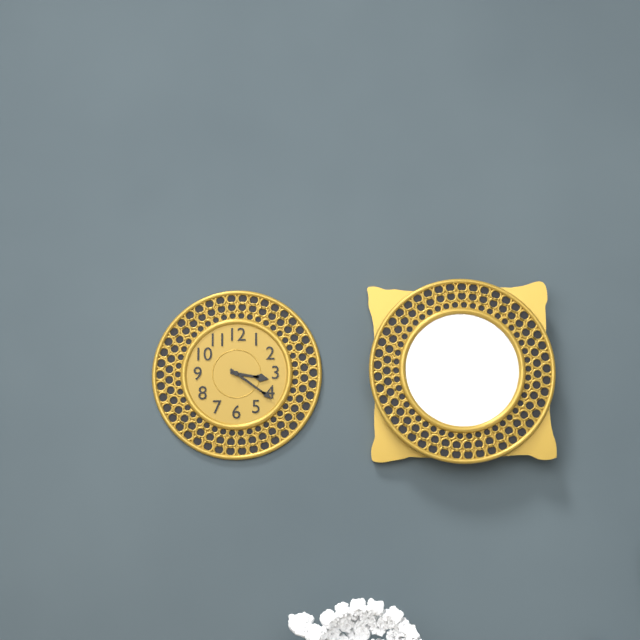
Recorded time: 3.21
